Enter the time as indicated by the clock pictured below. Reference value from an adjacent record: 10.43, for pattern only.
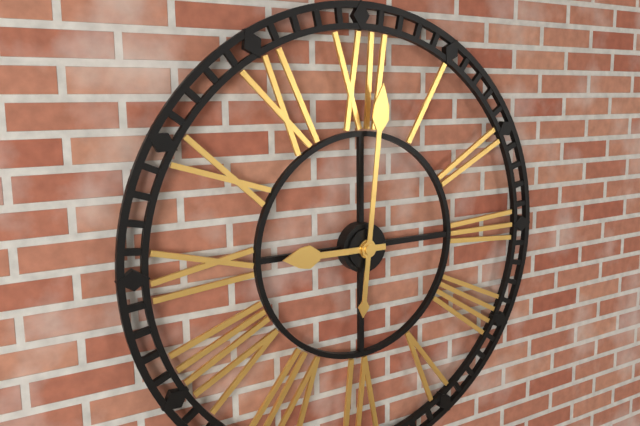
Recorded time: 9.01
